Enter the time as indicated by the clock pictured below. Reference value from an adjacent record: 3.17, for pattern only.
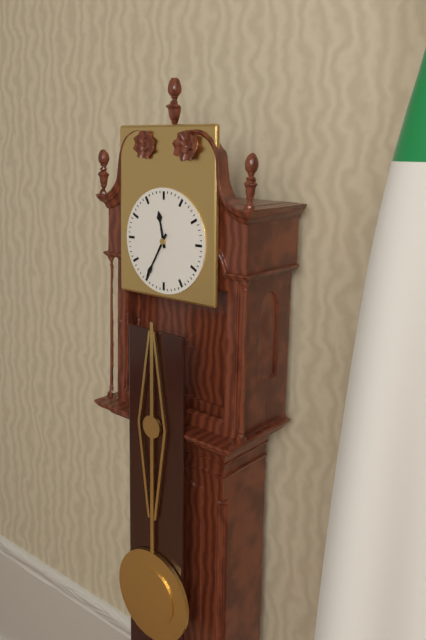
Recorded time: 11.35
